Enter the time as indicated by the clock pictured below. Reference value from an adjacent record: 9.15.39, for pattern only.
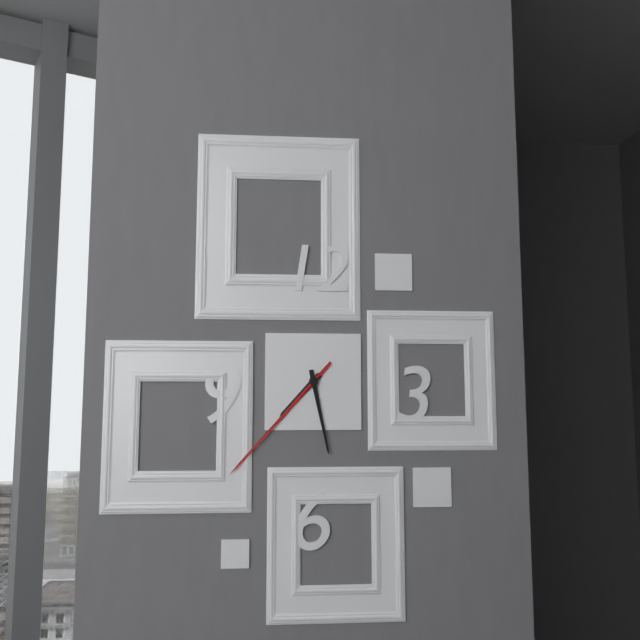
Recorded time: 7.28.37
